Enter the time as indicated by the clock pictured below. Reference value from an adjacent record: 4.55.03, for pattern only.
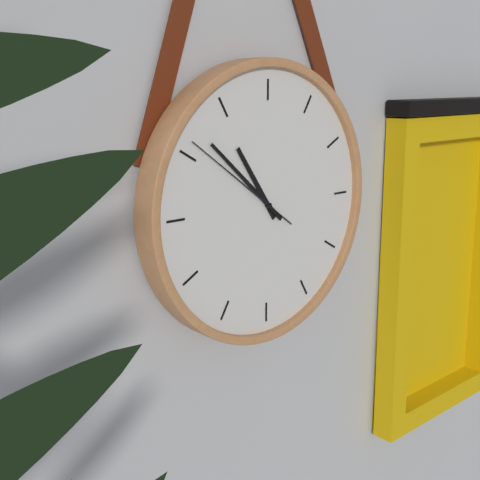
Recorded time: 10.52.51
